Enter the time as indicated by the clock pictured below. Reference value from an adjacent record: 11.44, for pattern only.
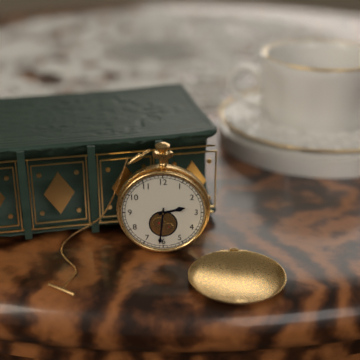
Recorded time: 2.31
